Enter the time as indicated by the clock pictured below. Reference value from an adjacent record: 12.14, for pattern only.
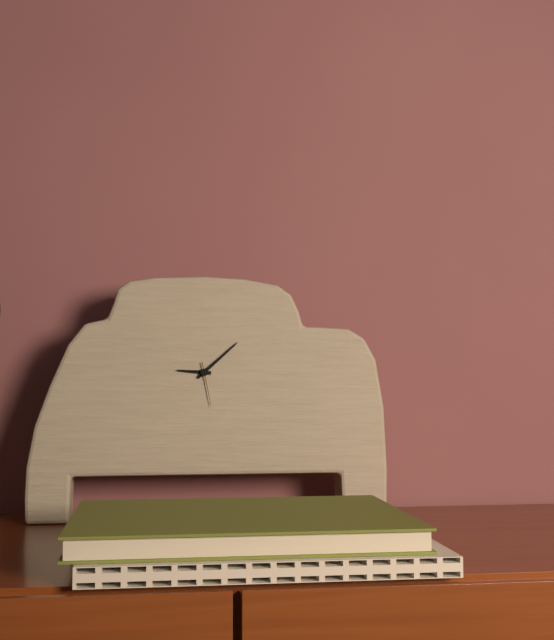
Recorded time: 9.08
